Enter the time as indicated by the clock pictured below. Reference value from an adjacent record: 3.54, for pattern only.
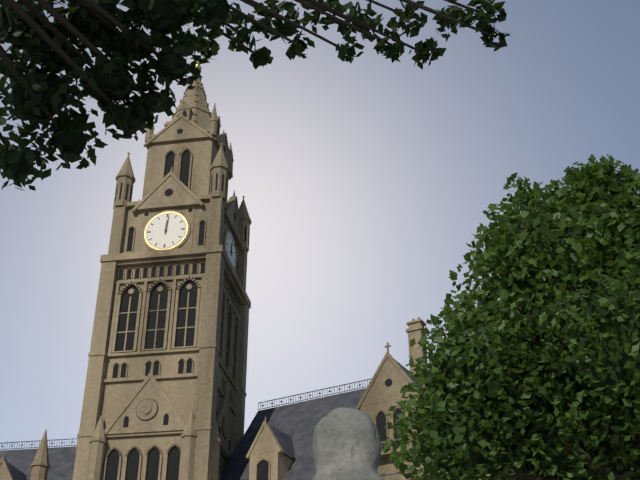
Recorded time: 12.01
